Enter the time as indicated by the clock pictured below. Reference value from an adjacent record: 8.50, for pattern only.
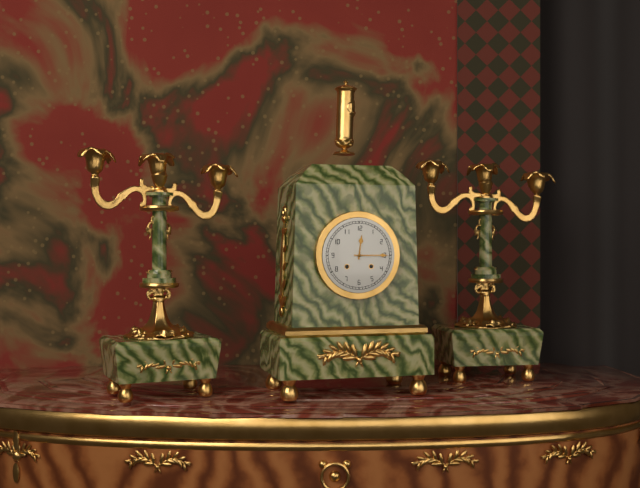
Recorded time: 12.15
